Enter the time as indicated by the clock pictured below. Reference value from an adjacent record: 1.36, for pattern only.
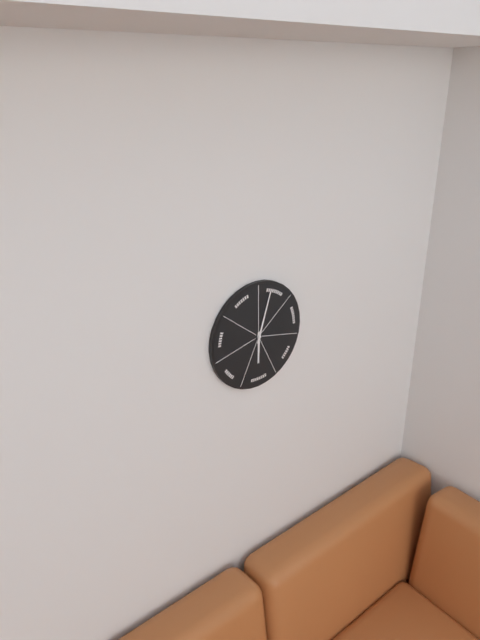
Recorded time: 6.03
